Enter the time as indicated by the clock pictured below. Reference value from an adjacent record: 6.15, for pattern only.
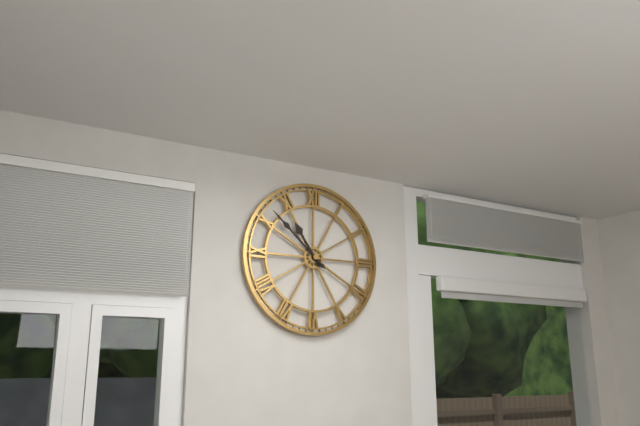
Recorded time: 10.52
